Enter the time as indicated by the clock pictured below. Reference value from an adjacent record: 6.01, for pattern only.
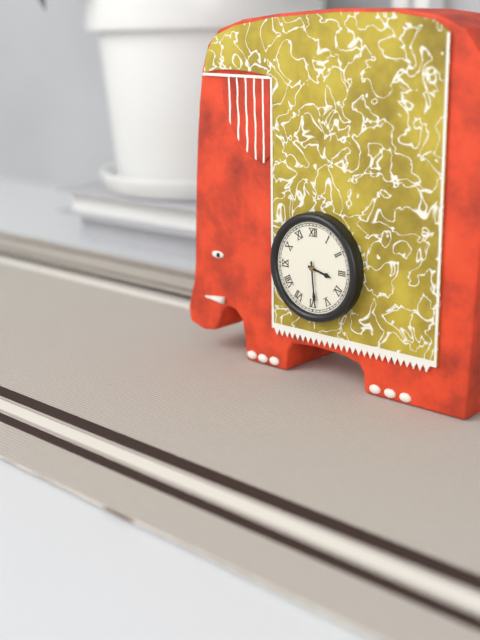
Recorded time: 3.29
